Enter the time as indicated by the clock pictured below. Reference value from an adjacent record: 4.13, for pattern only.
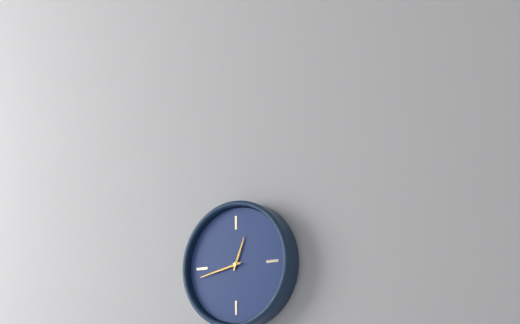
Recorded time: 12.43
